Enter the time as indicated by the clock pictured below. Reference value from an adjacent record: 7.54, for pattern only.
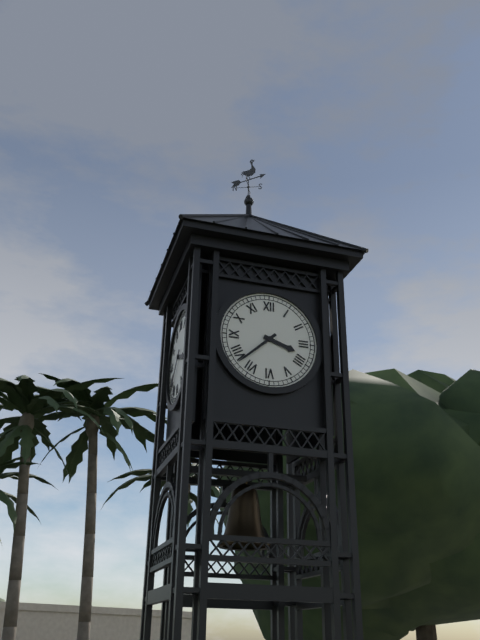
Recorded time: 3.38
